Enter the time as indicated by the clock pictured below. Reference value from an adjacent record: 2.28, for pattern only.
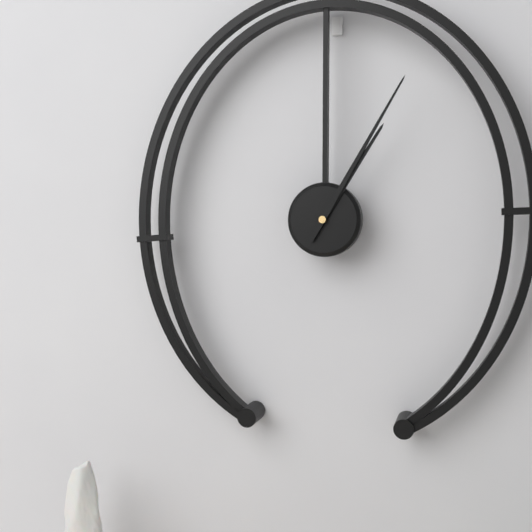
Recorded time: 1.05
